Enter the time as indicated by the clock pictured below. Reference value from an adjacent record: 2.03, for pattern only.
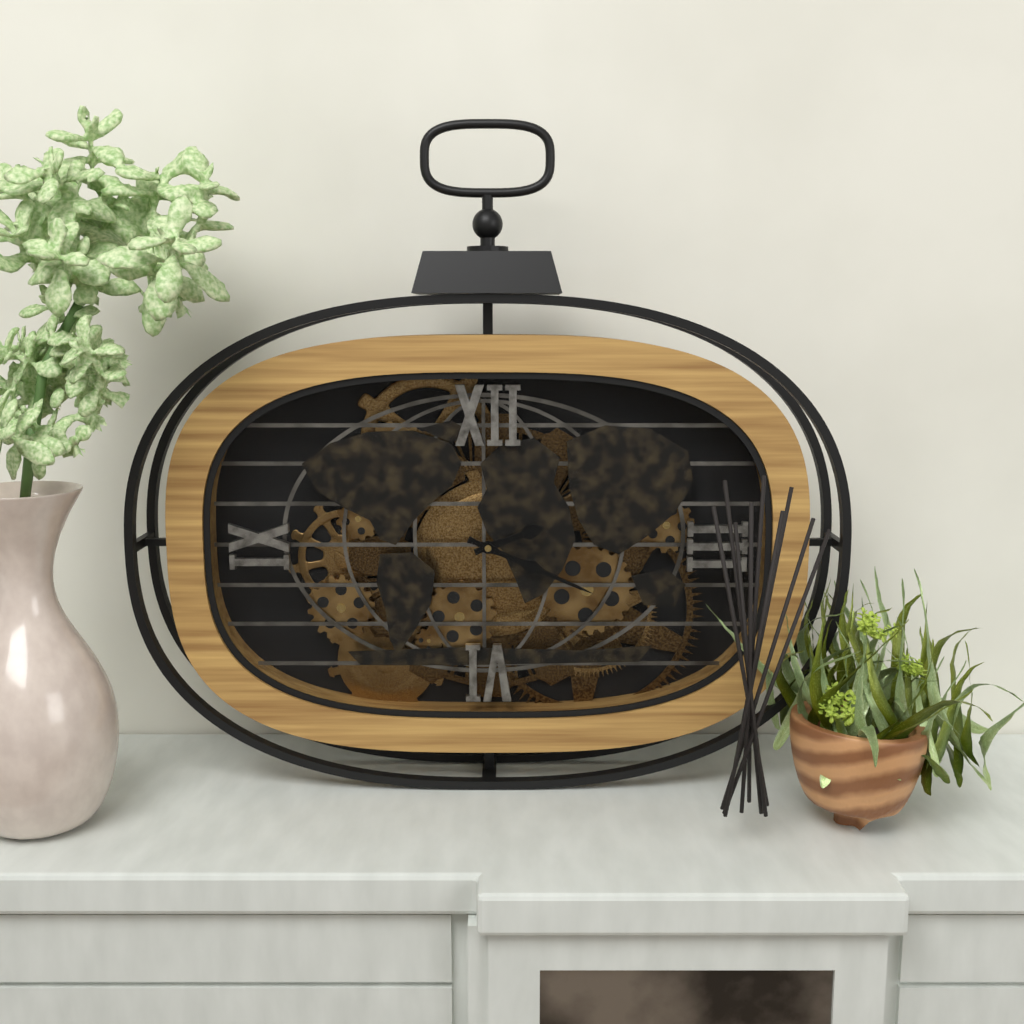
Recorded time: 2.19
